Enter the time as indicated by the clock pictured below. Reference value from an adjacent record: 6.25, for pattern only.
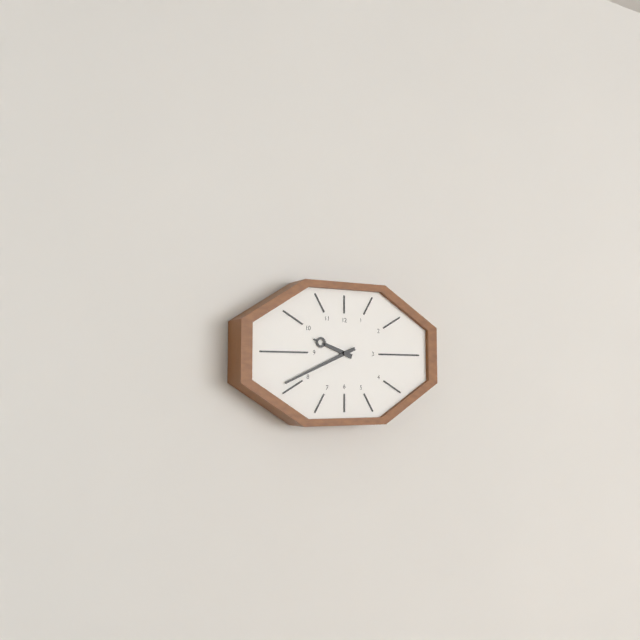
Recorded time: 9.41
